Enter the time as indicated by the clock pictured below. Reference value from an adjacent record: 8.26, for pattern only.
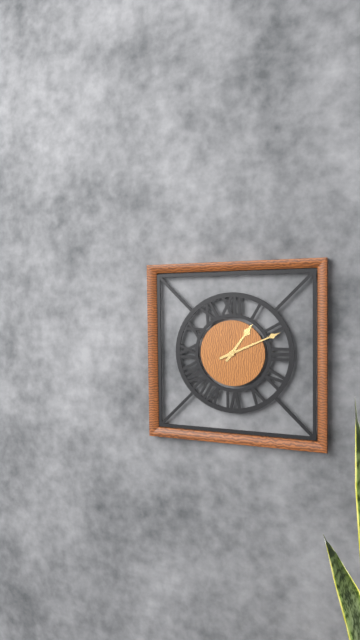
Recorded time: 1.11
